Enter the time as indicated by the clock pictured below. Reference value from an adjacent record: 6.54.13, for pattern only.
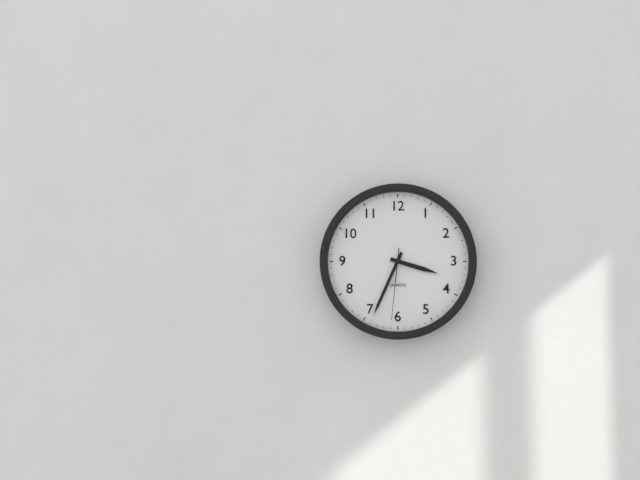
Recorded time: 3.34.31
